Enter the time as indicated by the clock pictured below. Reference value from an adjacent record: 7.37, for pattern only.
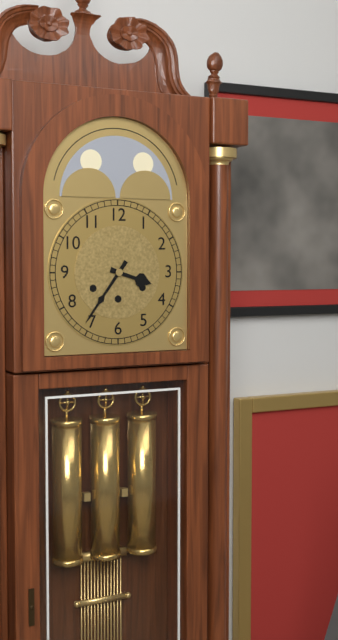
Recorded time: 3.36
